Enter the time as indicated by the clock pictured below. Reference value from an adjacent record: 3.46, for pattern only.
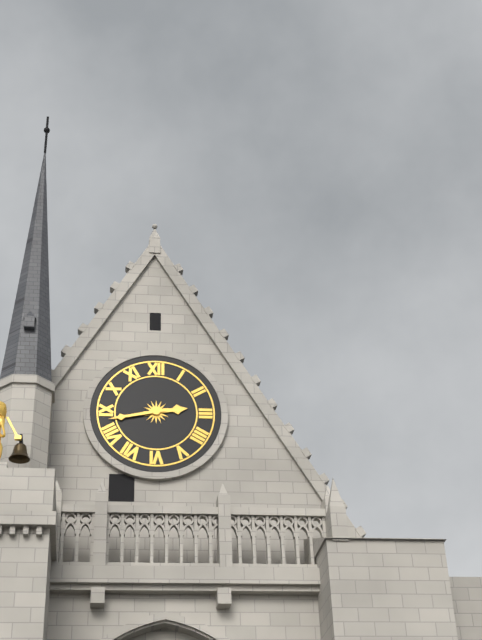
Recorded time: 2.43
